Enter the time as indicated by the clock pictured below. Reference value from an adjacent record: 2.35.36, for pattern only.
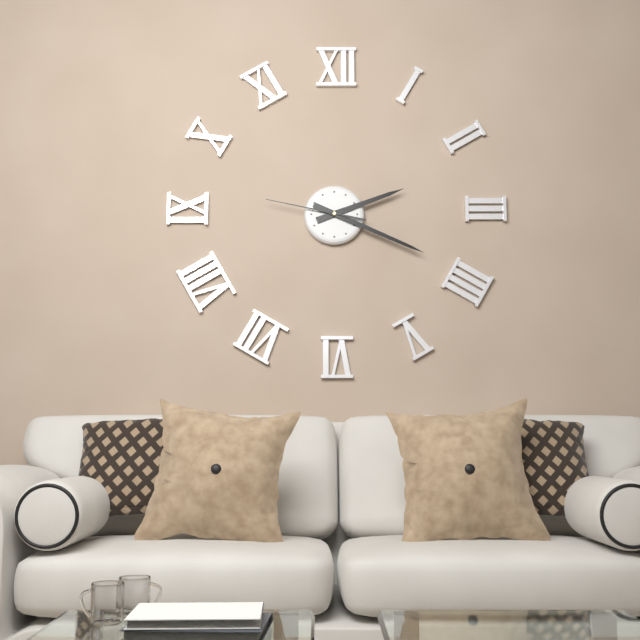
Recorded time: 2.19.47
